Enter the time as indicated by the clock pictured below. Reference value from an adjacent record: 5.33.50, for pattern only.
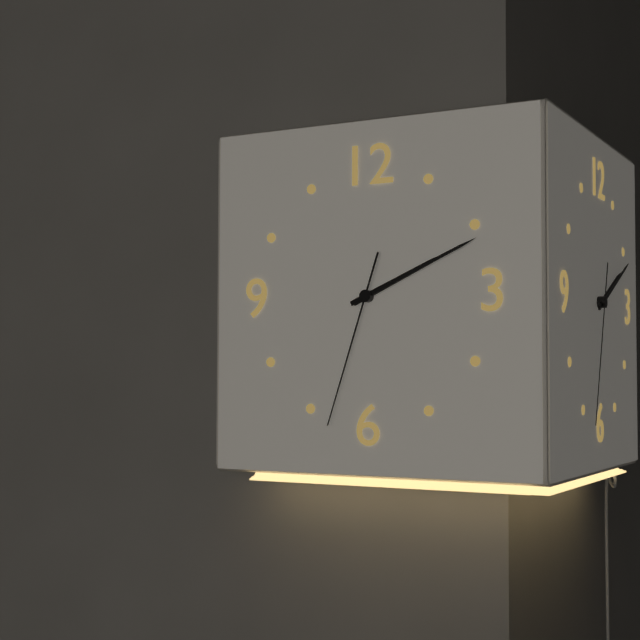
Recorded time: 2.11.33
